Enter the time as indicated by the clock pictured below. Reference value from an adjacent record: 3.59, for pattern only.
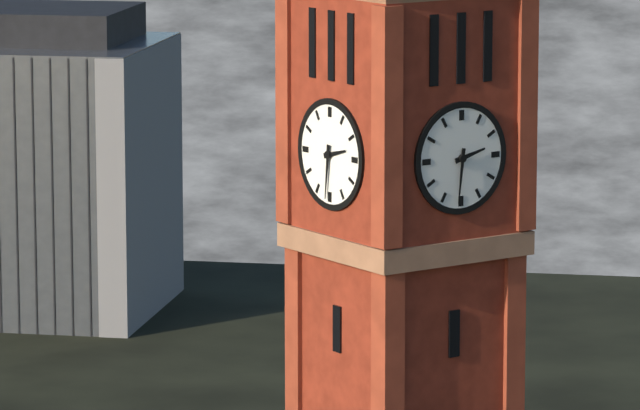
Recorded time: 2.31
